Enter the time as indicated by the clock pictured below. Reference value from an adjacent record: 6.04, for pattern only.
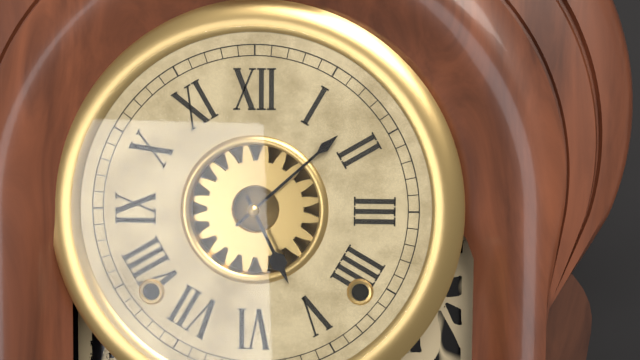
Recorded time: 5.08
